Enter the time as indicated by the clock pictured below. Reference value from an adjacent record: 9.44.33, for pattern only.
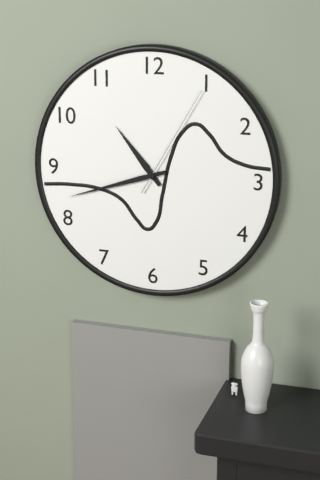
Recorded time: 10.42.05
